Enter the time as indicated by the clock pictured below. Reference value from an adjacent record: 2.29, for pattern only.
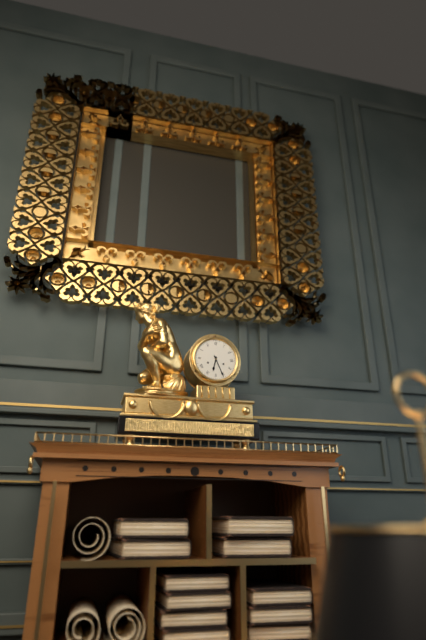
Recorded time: 6.26
